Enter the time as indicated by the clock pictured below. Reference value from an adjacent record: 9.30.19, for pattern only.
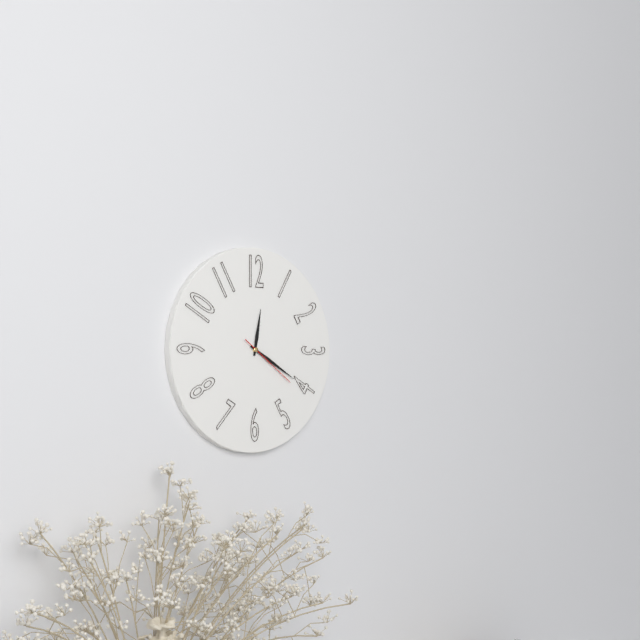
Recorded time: 12.20.21
